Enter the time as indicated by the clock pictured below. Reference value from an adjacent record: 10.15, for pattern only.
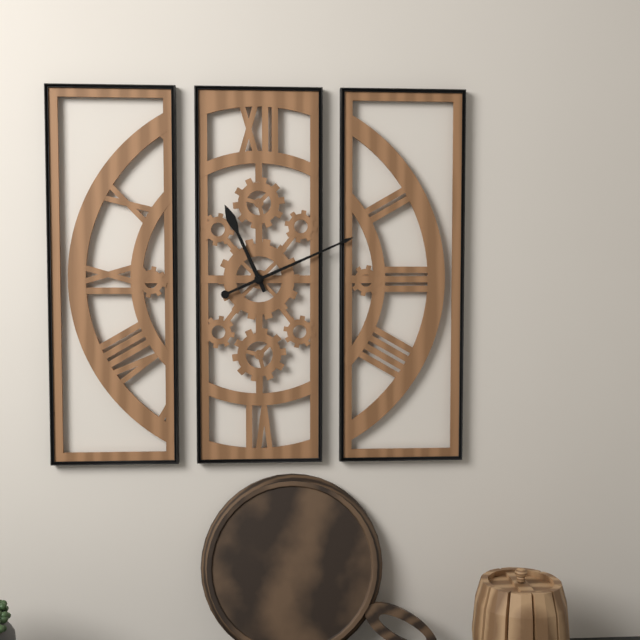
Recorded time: 11.11
